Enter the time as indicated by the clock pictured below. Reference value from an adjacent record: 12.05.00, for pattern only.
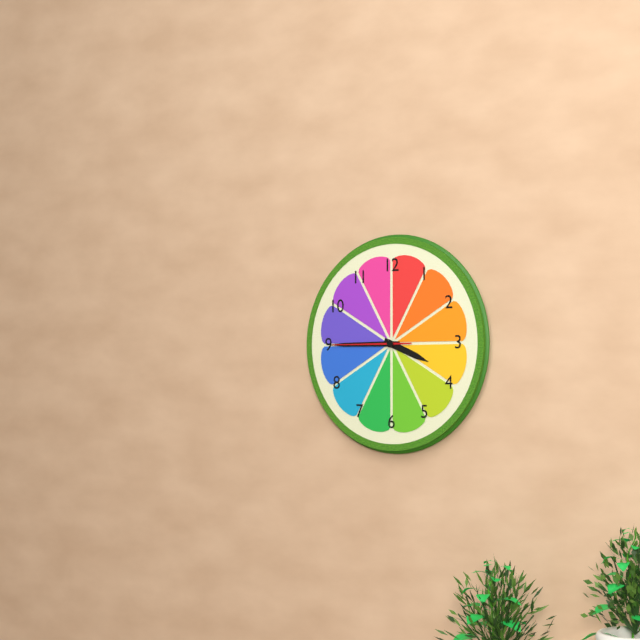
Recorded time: 3.45.45
